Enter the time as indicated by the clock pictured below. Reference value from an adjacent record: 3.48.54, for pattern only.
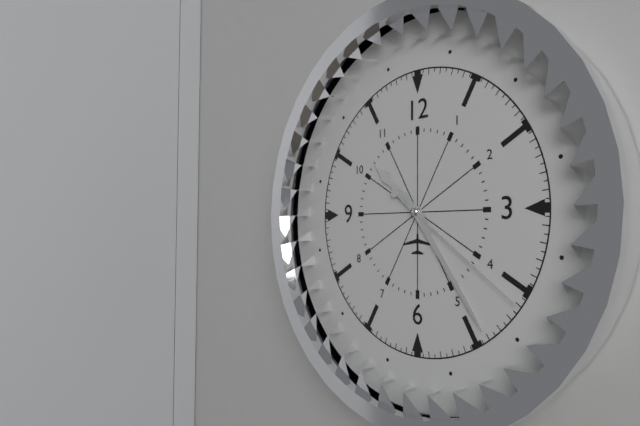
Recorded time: 10.24.21
